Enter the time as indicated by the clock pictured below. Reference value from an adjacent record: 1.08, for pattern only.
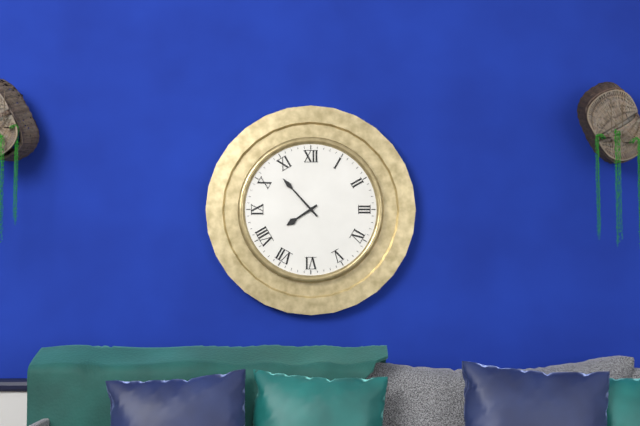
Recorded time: 7.53
